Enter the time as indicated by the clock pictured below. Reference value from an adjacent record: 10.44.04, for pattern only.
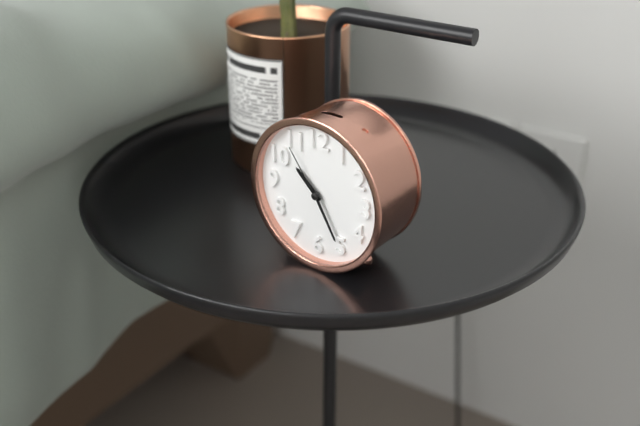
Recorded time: 10.25.54
